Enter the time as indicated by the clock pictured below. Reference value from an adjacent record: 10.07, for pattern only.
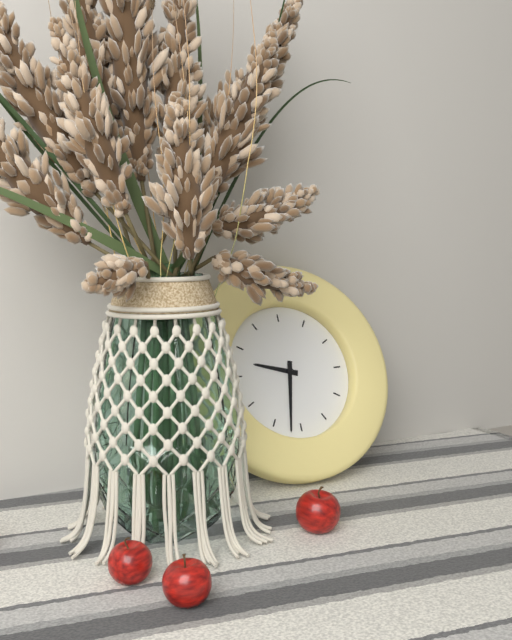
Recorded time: 9.32
